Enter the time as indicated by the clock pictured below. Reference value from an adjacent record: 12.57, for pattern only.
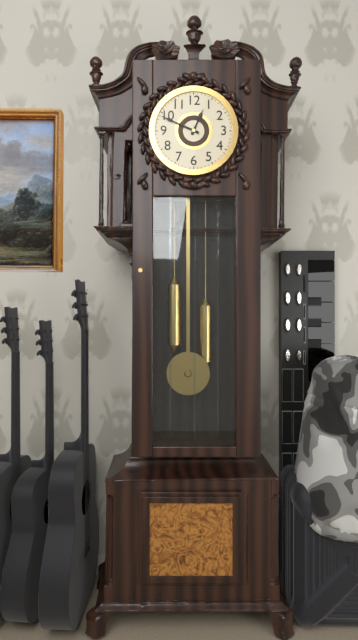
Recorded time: 12.49
